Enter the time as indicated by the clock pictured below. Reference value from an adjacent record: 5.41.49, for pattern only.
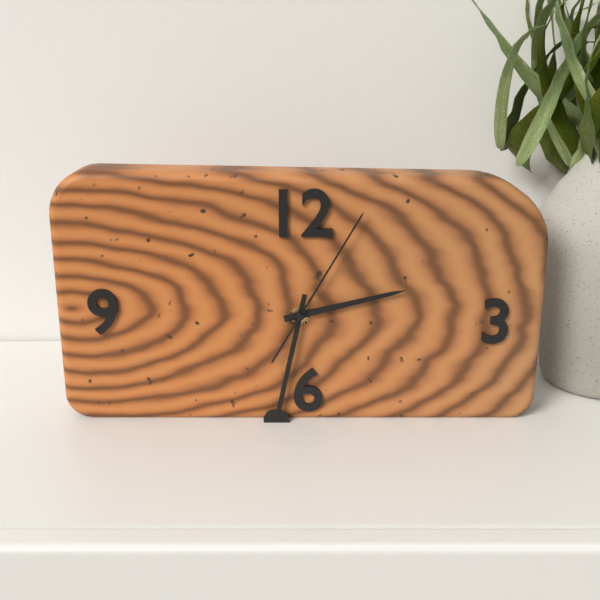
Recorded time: 2.32.05
